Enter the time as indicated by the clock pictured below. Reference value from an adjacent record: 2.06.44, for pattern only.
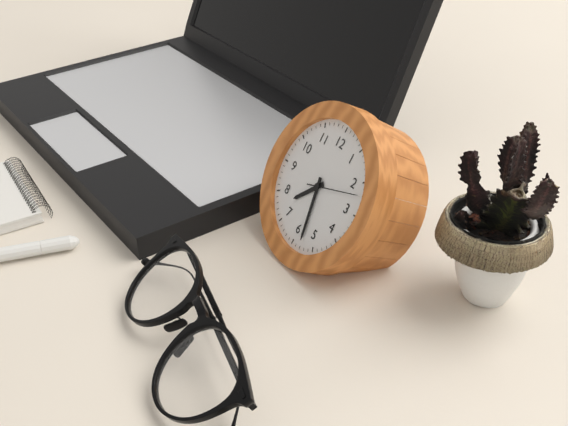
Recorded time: 7.28.12
